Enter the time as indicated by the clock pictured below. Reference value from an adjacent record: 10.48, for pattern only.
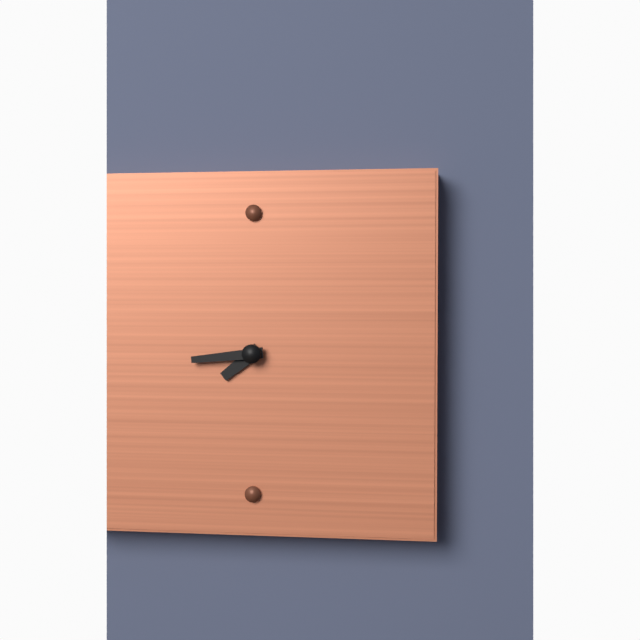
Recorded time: 7.44
